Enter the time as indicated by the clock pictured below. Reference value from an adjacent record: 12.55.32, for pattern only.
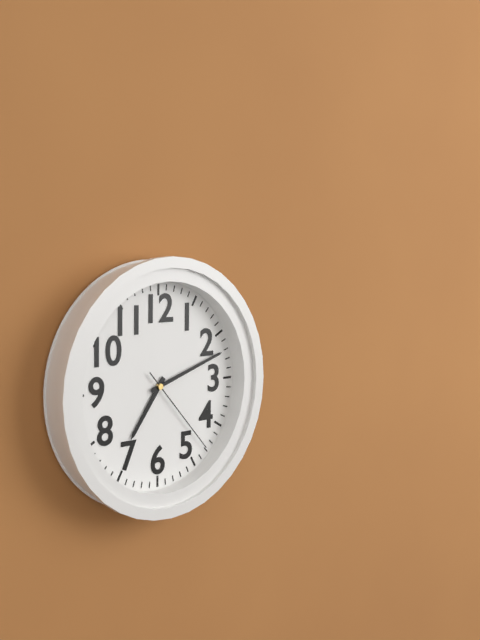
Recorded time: 7.12.23
